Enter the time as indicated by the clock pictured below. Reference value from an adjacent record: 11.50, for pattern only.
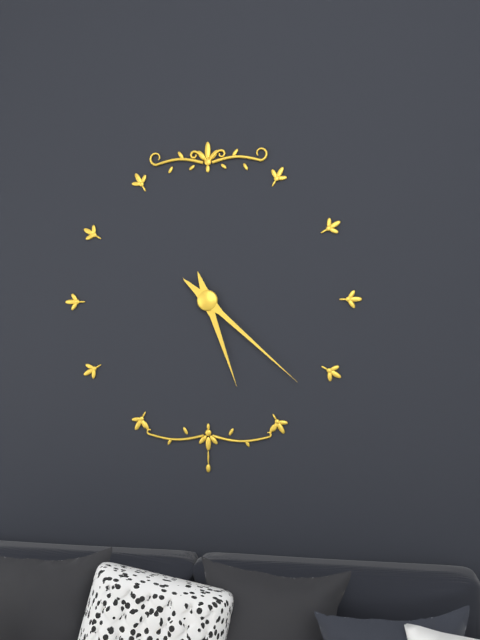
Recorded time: 5.22
